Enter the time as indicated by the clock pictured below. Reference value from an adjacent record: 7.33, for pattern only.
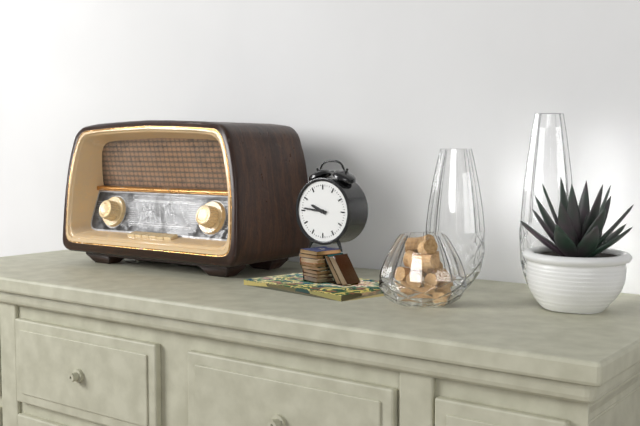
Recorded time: 9.46
